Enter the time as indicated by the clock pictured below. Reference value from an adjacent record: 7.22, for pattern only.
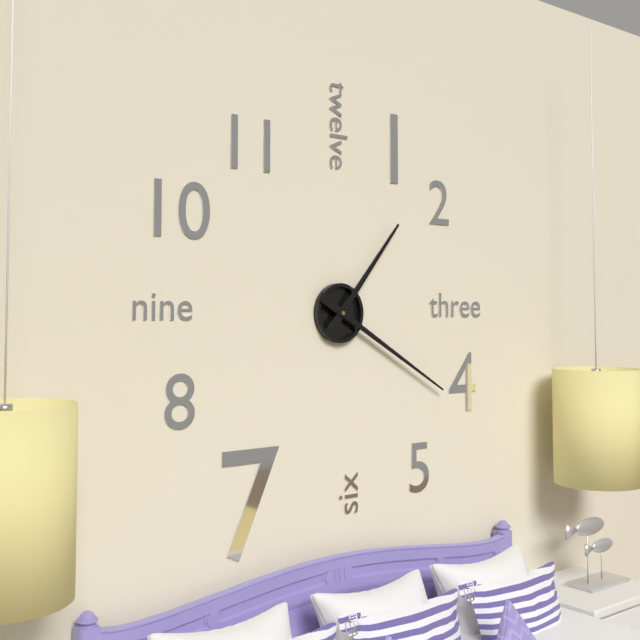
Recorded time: 1.20
